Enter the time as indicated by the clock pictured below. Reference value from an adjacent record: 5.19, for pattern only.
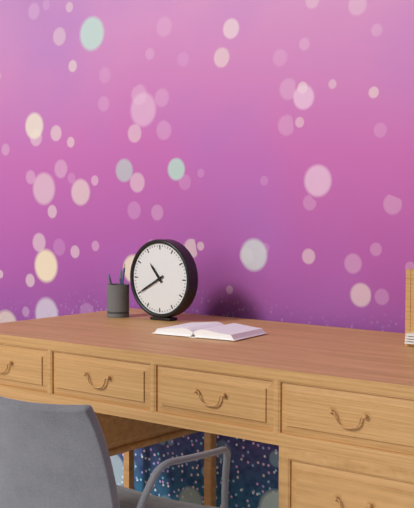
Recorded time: 10.40
